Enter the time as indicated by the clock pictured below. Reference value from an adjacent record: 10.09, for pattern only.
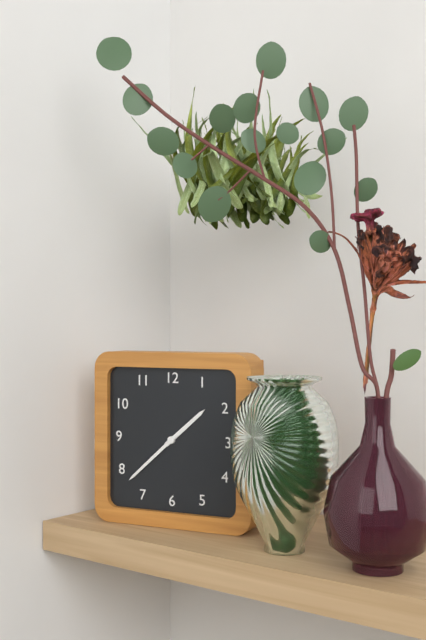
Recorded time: 1.38
